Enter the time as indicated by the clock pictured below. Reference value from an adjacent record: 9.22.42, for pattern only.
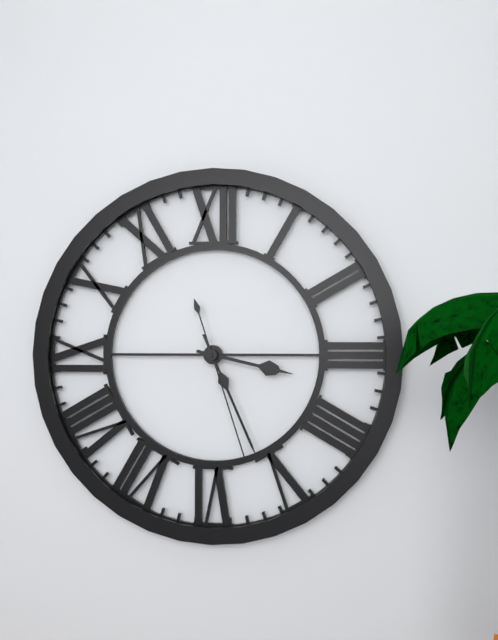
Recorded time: 3.26.27
